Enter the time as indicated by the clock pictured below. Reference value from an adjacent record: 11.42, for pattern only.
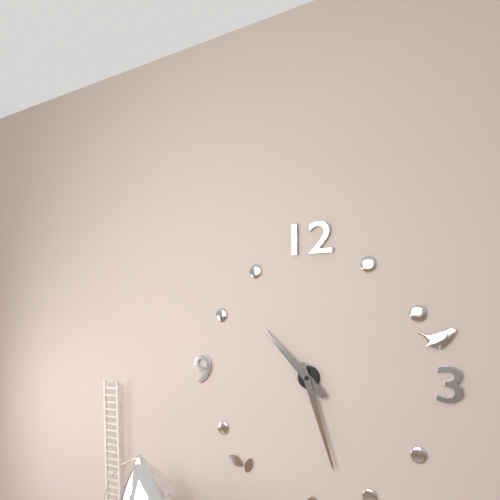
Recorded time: 10.27
